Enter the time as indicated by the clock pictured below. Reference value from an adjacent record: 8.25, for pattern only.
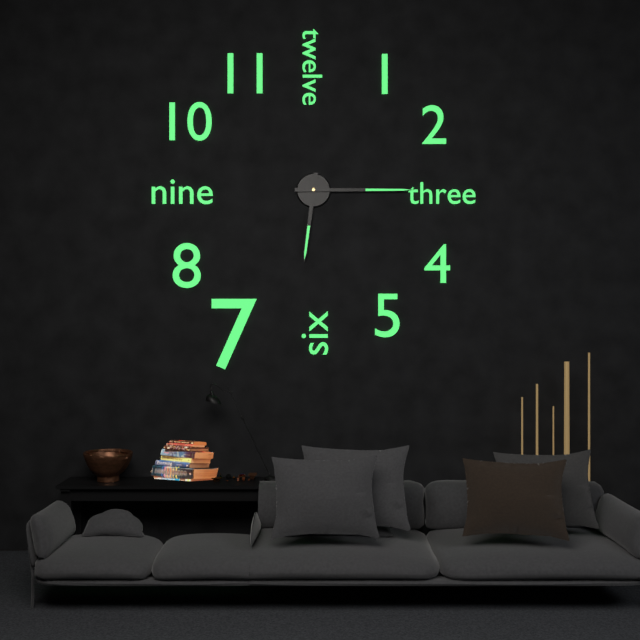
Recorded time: 6.15
